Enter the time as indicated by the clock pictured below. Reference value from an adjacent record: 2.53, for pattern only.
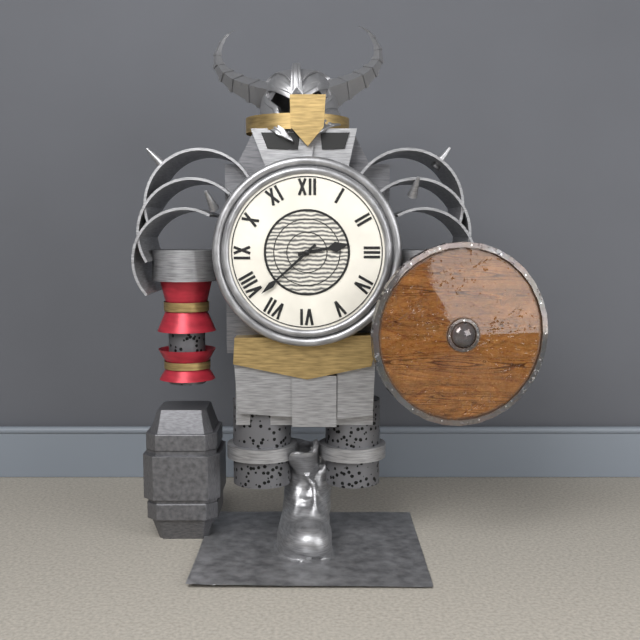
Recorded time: 2.38
